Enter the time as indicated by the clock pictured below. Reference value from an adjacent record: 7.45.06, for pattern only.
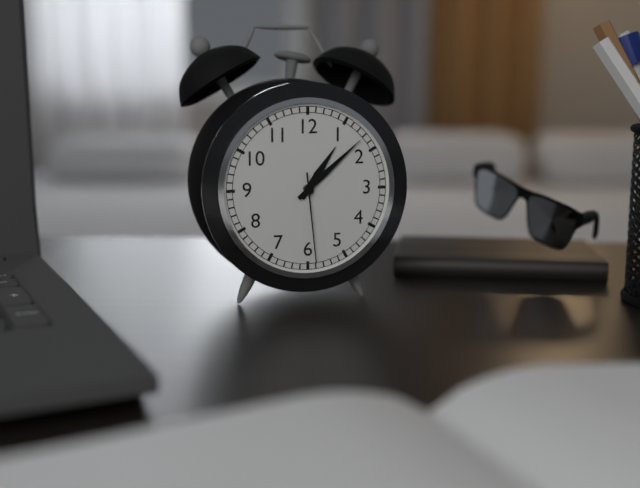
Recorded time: 1.08.29
